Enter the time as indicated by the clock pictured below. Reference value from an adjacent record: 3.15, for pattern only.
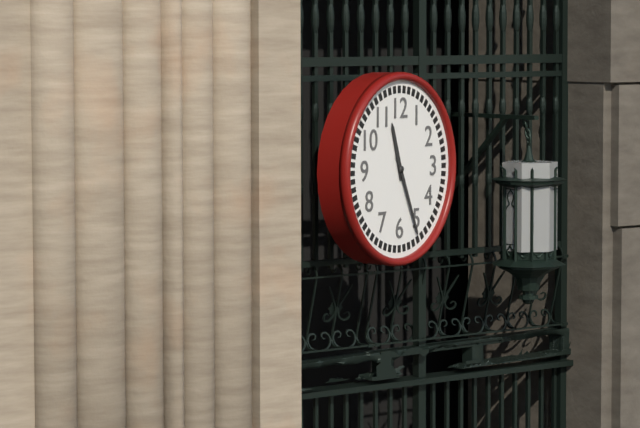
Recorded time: 11.26
